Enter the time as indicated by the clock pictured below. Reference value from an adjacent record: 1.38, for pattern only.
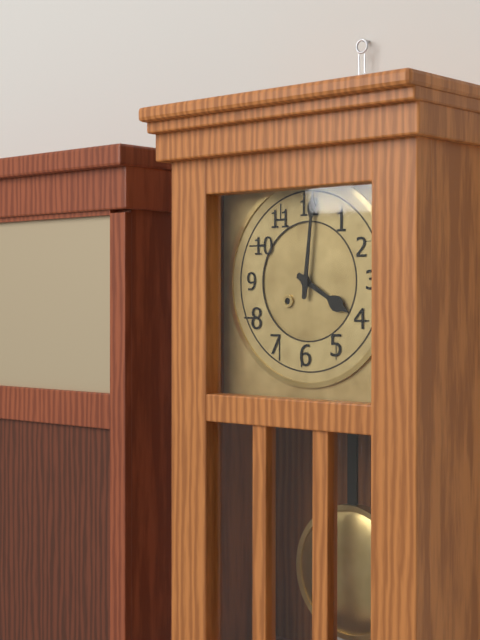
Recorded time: 4.01
